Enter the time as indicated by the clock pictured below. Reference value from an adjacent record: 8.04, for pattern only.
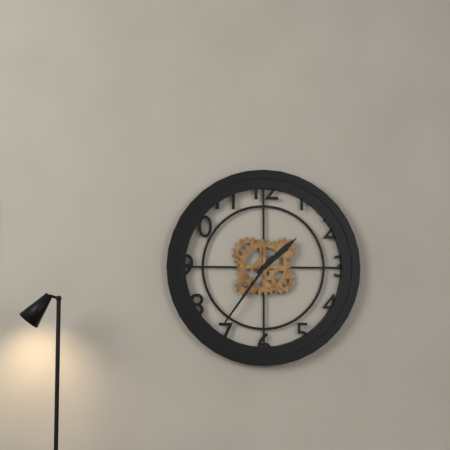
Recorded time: 1.36
